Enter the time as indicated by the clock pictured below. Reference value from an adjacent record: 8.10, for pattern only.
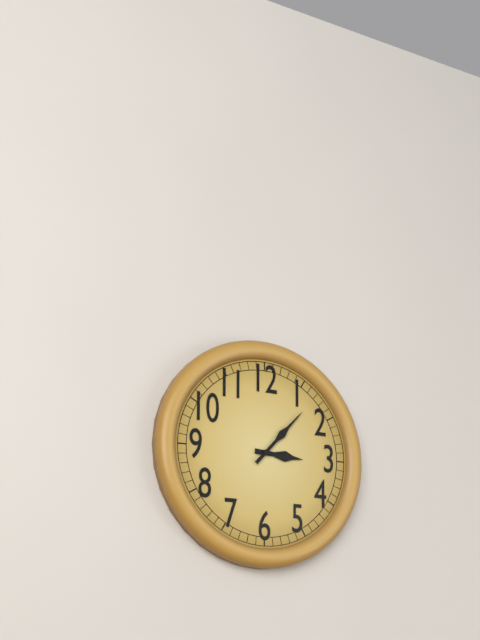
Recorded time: 3.07
